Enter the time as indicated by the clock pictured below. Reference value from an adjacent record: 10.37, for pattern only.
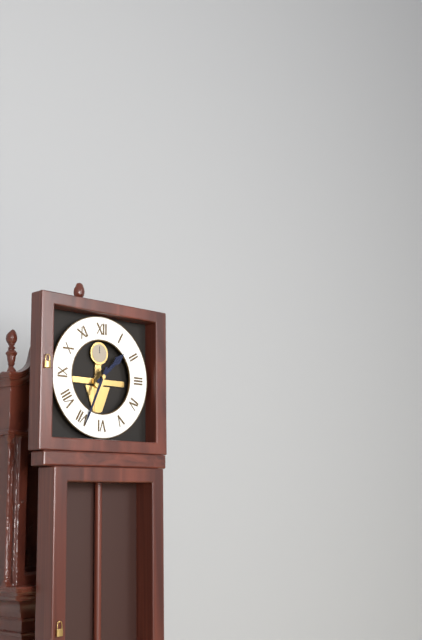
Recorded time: 1.34
